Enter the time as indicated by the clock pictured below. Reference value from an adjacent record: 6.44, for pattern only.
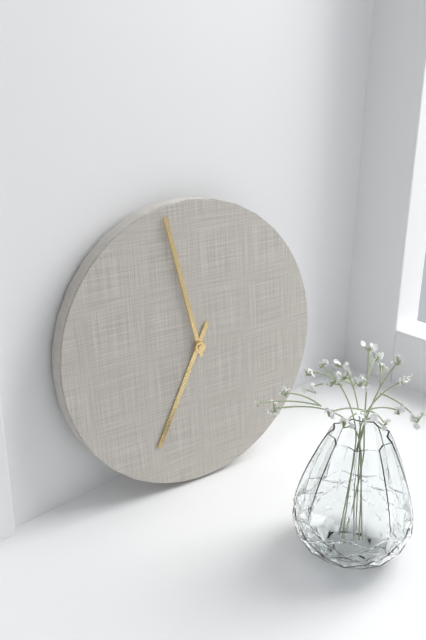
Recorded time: 6.58
